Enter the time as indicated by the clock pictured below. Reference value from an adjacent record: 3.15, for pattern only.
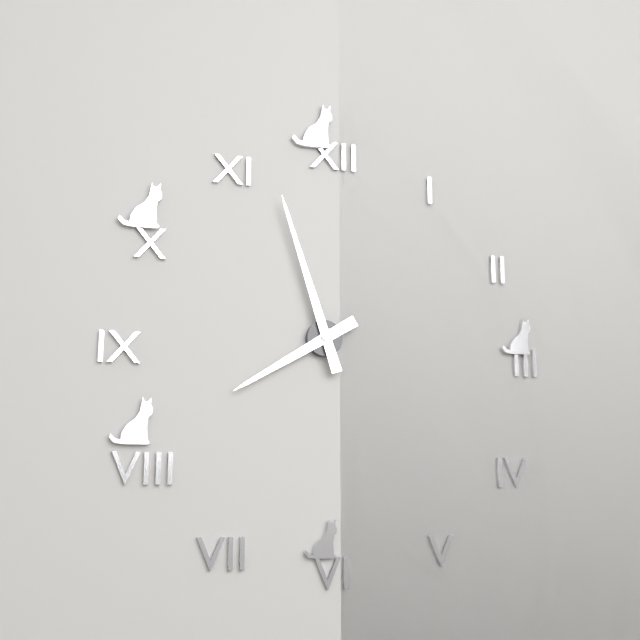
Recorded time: 7.57
